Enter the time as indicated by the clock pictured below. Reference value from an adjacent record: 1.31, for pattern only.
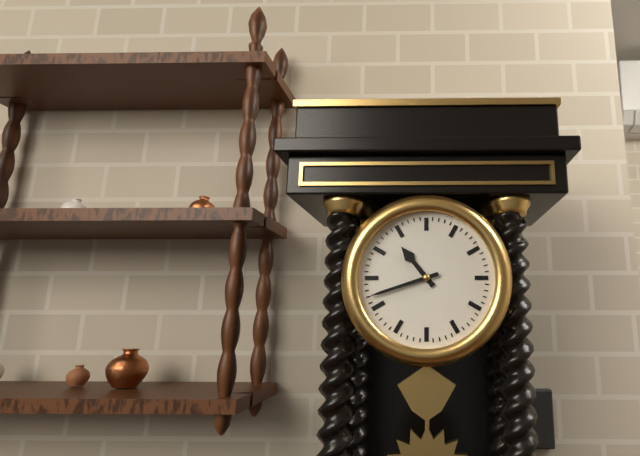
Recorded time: 10.42
